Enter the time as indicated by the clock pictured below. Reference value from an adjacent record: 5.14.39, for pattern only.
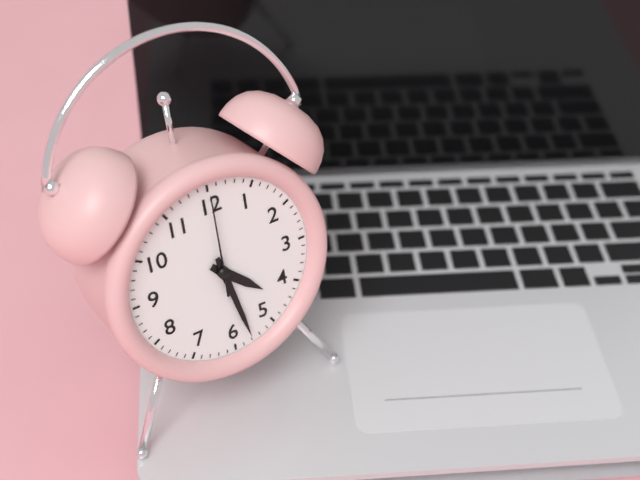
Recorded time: 4.28.00
